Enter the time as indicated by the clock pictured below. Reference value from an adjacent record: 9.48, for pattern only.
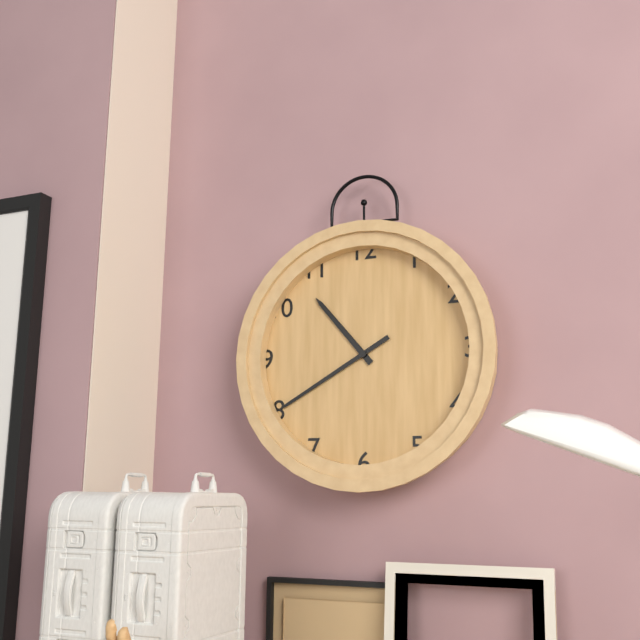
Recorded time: 10.40
